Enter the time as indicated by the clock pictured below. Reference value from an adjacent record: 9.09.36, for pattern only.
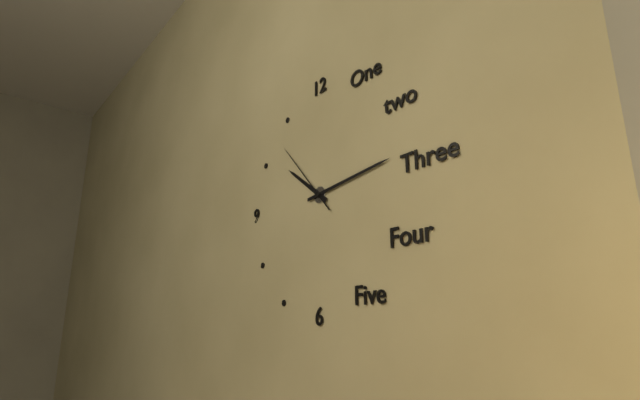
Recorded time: 10.14.53
